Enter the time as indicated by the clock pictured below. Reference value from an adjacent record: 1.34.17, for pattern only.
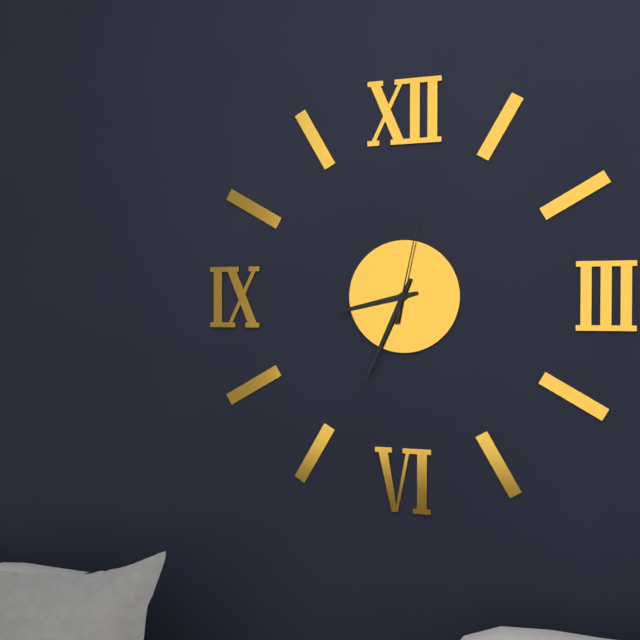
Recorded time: 8.34.02
